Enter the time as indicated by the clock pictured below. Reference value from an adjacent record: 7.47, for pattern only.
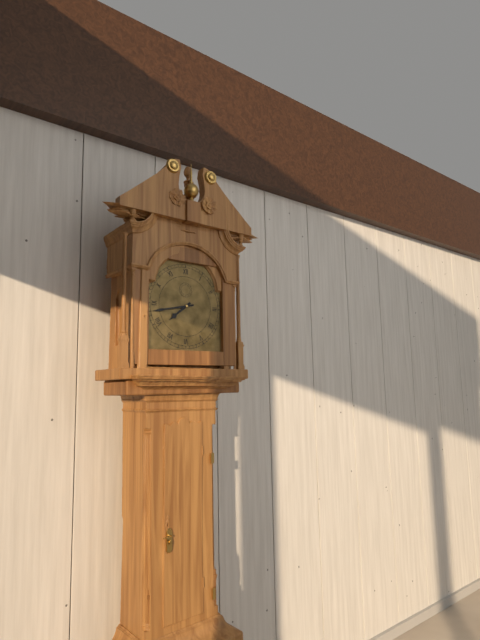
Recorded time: 7.43
